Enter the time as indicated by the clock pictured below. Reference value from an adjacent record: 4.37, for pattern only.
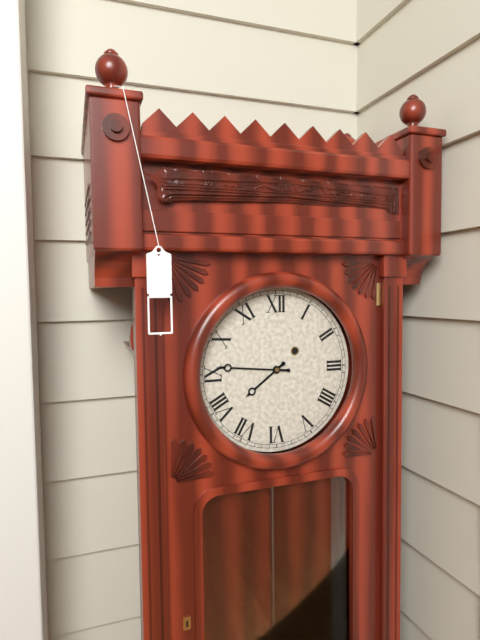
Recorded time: 7.46
